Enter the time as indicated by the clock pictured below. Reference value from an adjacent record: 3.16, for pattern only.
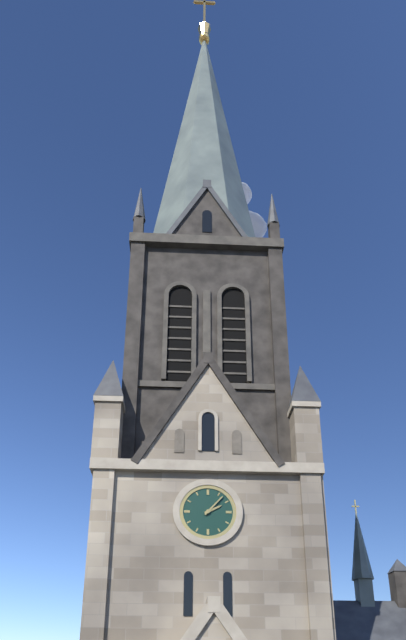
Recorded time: 2.07
